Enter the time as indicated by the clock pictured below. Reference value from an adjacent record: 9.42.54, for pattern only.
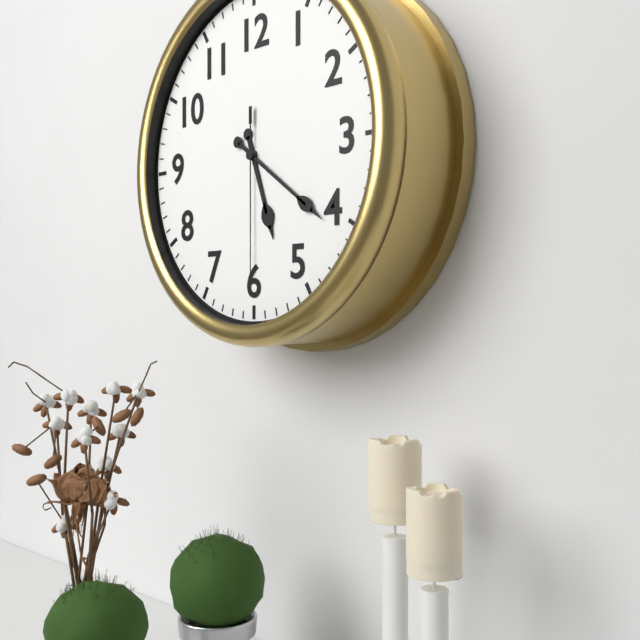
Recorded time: 5.21.30
